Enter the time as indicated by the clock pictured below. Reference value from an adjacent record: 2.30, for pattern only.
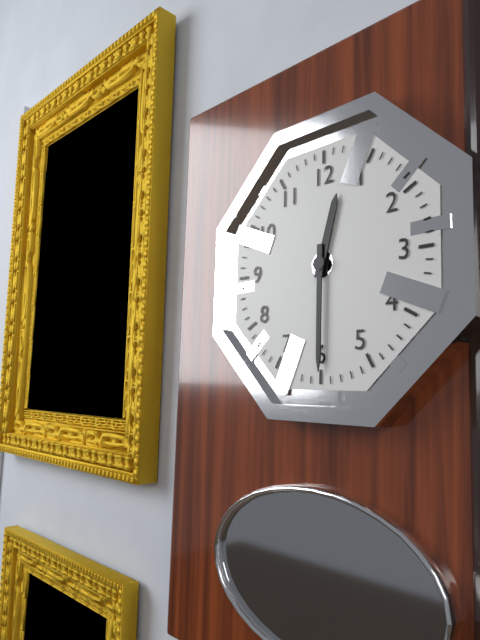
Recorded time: 12.30
